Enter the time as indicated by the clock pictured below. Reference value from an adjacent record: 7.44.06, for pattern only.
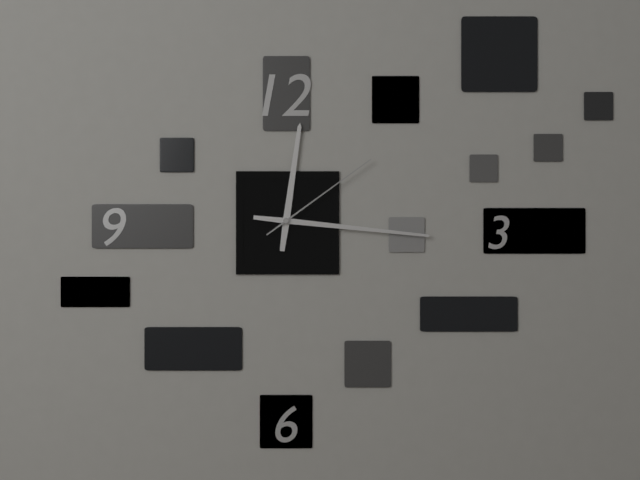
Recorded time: 12.16.09
